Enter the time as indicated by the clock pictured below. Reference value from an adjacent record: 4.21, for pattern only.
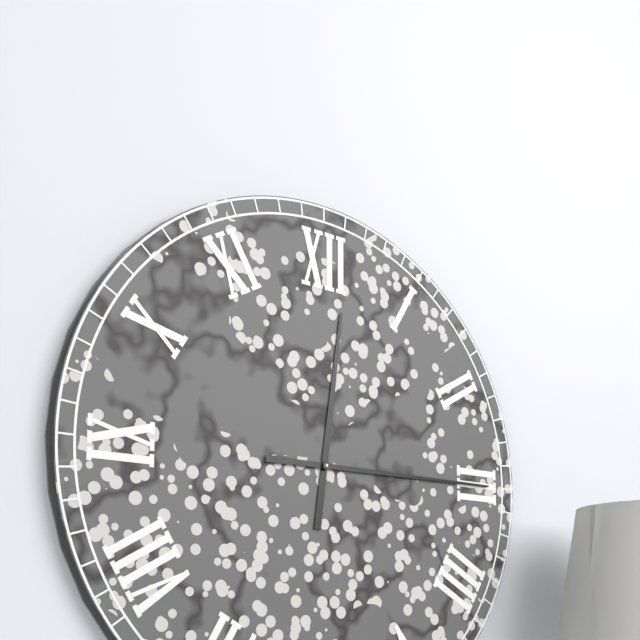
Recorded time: 12.15
